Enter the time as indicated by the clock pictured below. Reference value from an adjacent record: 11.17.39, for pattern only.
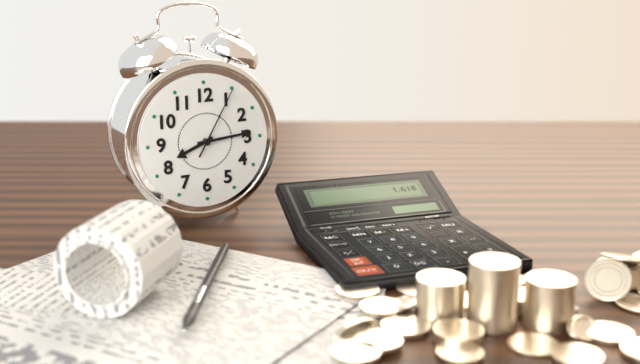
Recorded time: 8.14.05
